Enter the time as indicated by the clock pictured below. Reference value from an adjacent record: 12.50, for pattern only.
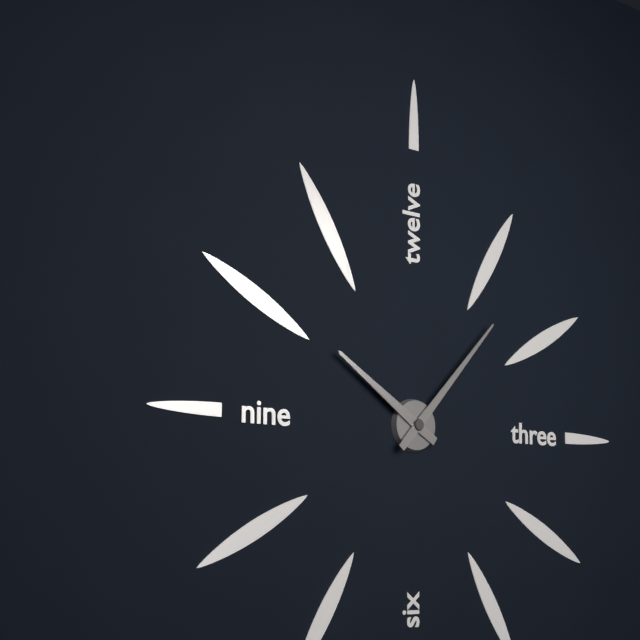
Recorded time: 10.07
